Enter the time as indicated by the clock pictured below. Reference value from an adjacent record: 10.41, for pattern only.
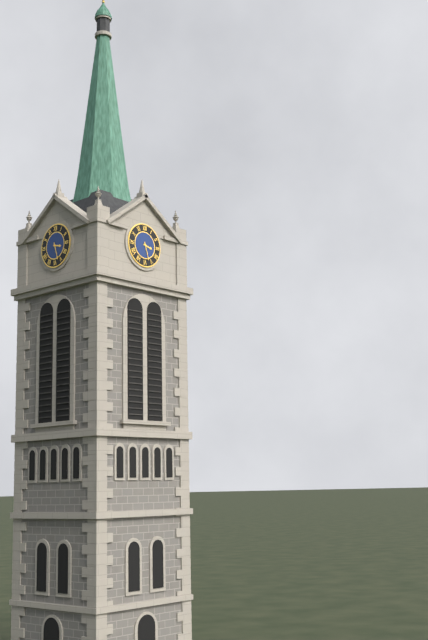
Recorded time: 3.27
